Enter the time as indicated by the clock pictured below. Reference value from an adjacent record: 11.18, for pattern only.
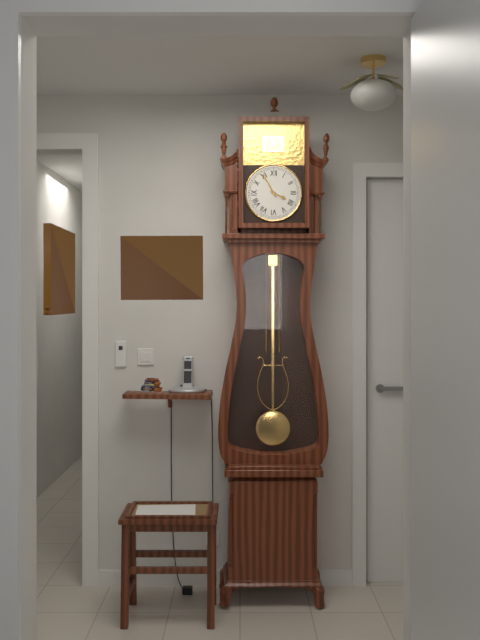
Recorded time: 3.55
